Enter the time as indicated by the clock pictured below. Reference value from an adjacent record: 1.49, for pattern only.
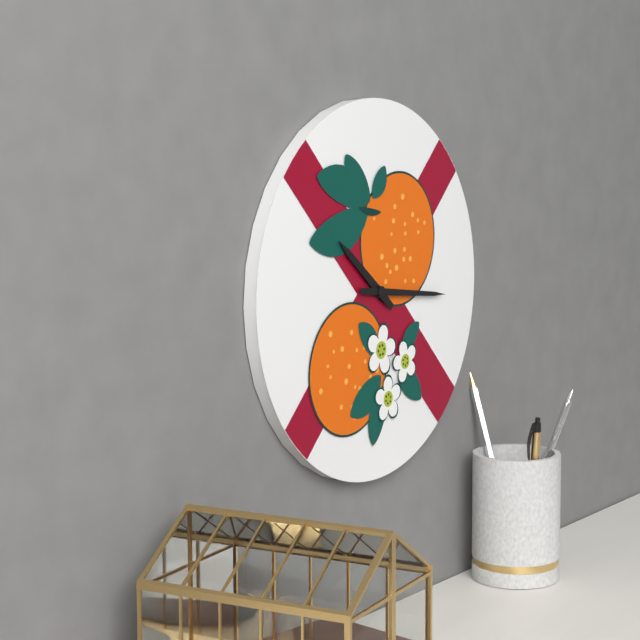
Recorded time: 10.16
